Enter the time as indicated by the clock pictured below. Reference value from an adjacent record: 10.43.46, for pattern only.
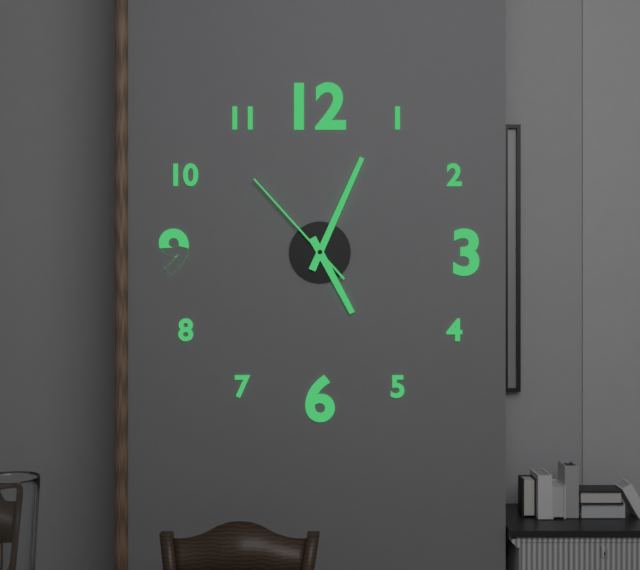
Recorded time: 5.04.53
